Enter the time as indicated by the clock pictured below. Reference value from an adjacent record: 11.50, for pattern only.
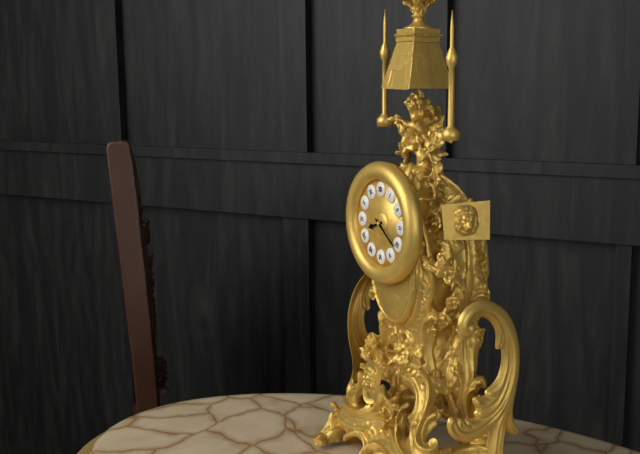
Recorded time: 8.21
